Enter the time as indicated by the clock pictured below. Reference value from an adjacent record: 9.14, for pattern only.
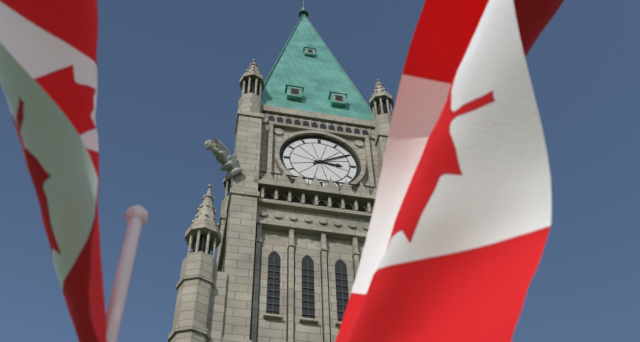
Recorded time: 3.10
